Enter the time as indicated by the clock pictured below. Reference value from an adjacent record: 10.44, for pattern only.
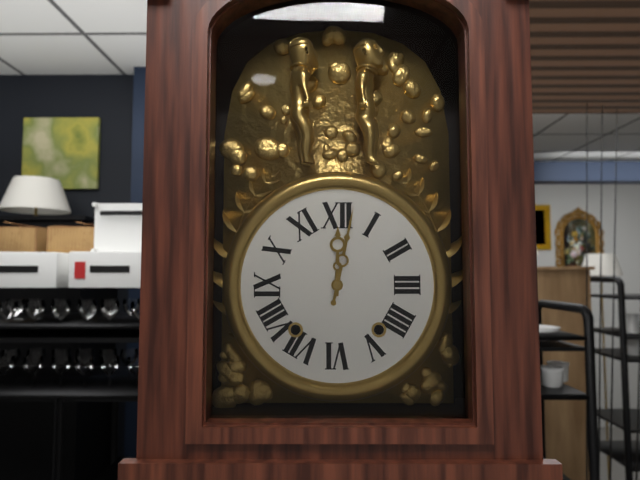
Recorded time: 12.02
